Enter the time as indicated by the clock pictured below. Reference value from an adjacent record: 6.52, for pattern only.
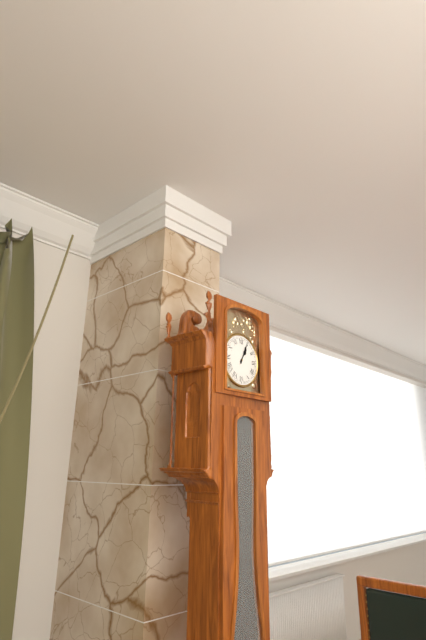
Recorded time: 1.04
